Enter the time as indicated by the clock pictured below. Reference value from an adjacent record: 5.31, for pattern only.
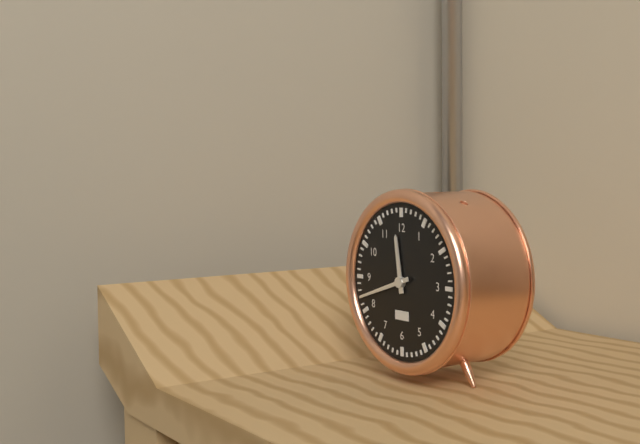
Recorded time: 11.42
